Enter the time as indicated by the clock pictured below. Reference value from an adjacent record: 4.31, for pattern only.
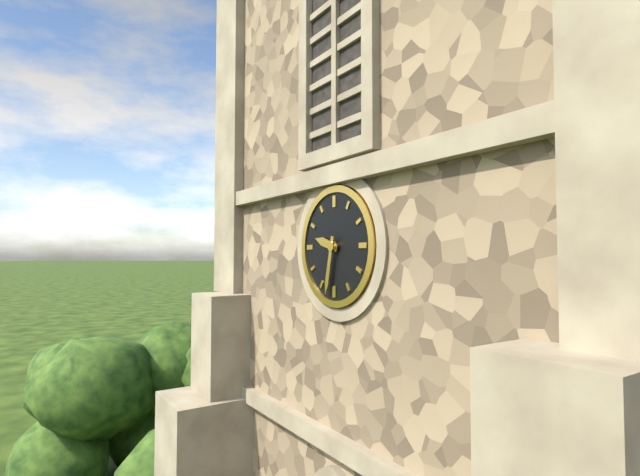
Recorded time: 9.32
